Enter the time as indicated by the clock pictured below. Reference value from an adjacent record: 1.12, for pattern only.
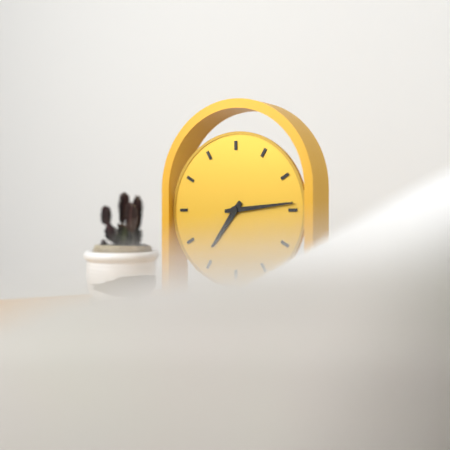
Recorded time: 7.14
